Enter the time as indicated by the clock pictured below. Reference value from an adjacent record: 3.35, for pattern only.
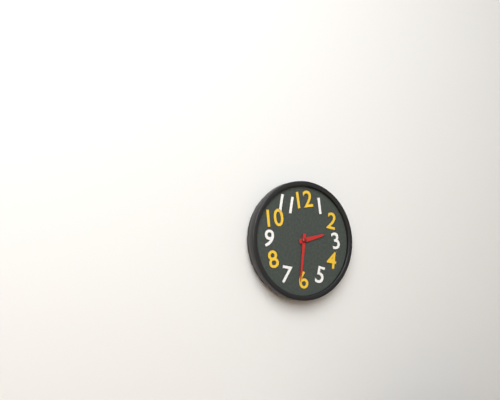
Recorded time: 2.31
